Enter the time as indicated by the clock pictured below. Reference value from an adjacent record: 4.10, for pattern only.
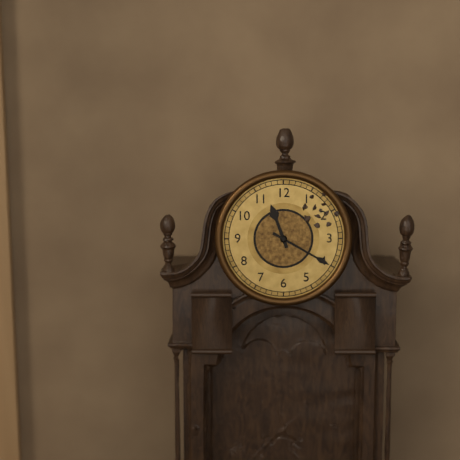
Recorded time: 11.20
